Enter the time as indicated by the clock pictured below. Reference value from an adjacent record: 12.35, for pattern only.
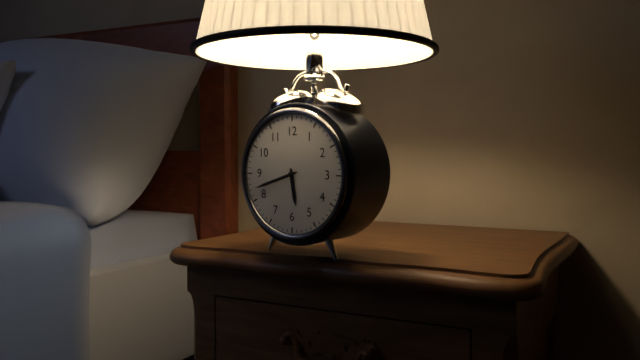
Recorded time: 5.42
